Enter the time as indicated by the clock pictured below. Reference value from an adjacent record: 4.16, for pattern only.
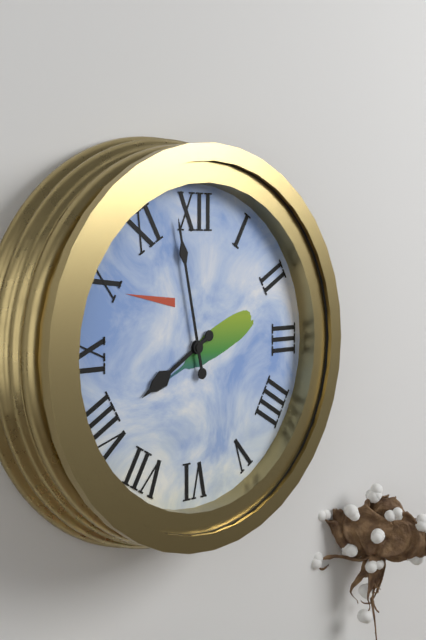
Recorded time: 7.58
